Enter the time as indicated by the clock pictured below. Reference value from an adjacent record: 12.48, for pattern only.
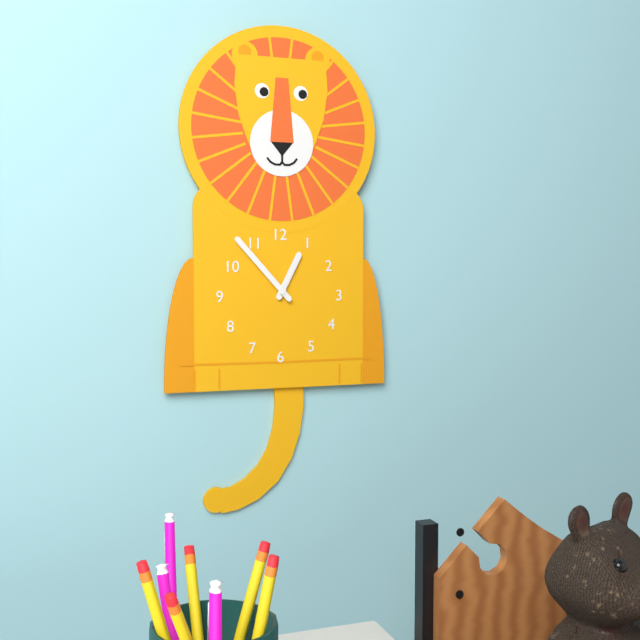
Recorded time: 12.53
